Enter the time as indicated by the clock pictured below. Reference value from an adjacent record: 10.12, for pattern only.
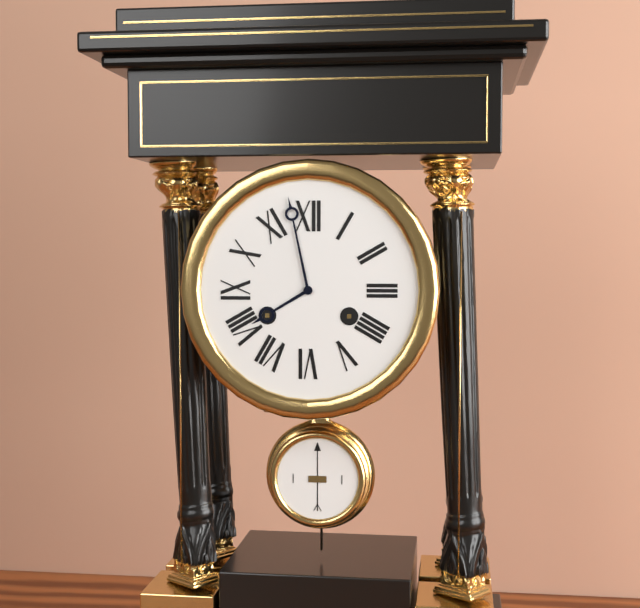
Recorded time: 7.58
